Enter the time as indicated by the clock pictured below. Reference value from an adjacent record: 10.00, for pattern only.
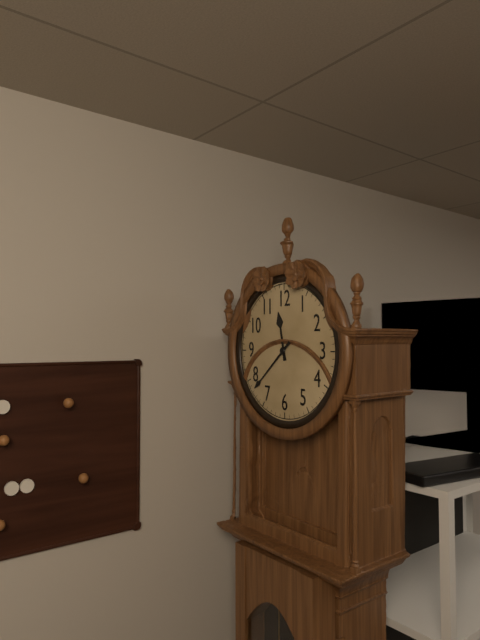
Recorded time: 11.38
